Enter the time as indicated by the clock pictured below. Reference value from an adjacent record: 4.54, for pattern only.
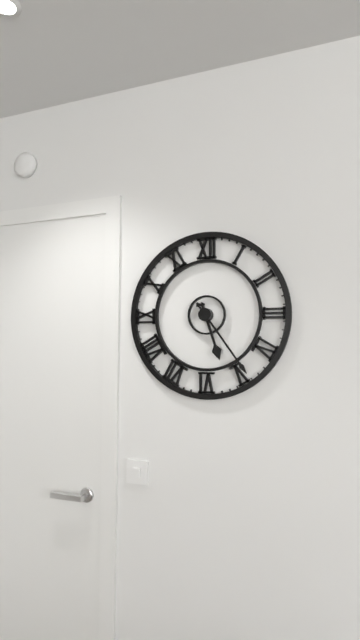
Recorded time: 5.24
